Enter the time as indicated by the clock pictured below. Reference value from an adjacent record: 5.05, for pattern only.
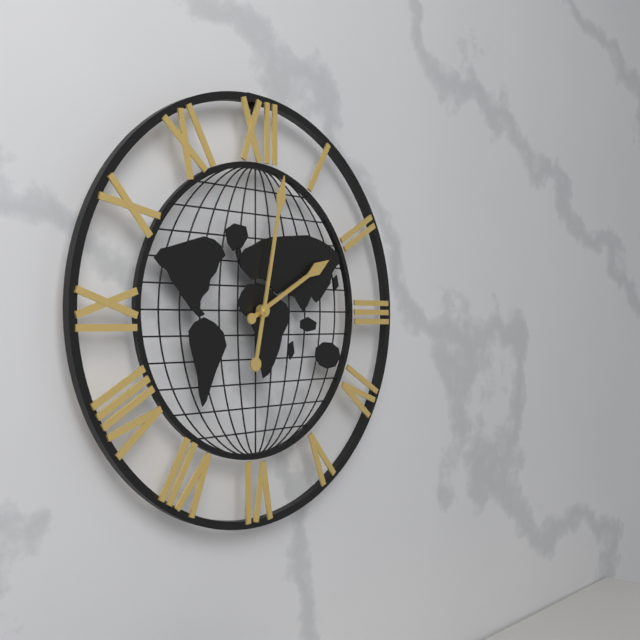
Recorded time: 2.02
